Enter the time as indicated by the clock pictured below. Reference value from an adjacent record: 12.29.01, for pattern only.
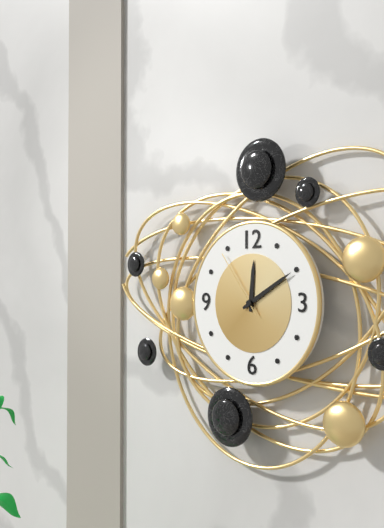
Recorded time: 12.10.54
